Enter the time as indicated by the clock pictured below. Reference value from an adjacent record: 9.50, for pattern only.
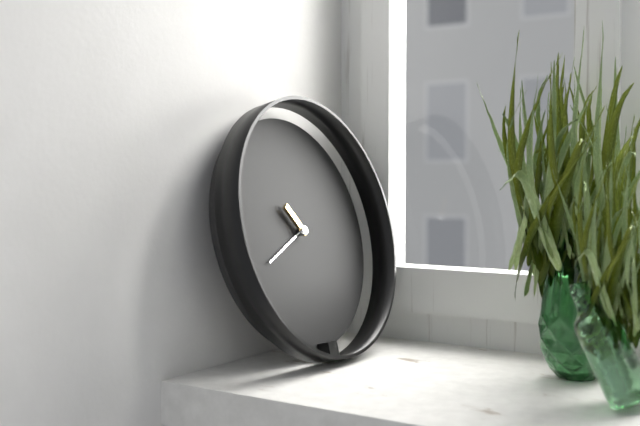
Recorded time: 10.41
